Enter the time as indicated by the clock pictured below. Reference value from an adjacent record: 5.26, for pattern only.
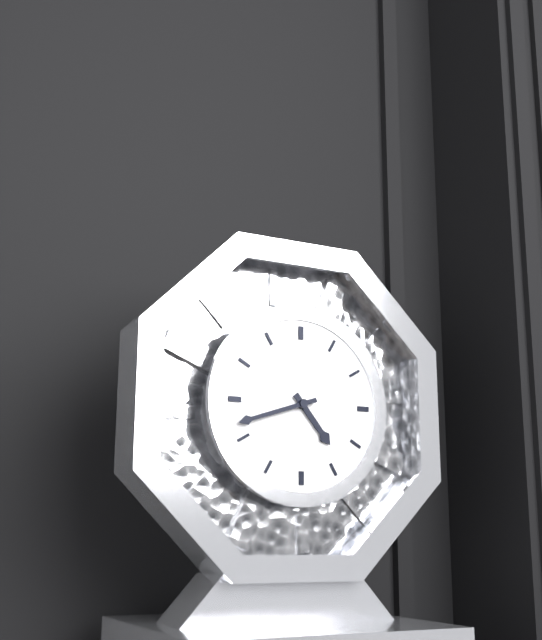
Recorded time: 4.42
